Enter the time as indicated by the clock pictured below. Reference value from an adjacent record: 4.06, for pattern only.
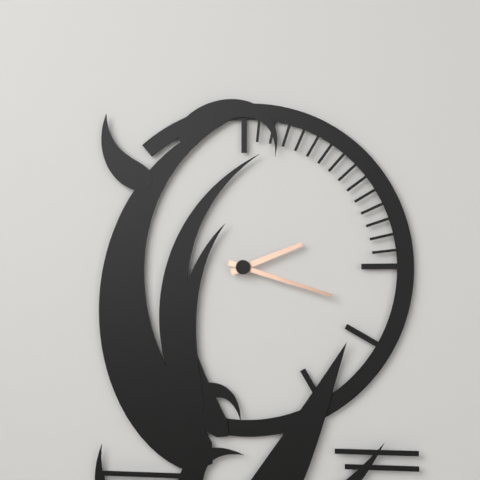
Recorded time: 2.18
